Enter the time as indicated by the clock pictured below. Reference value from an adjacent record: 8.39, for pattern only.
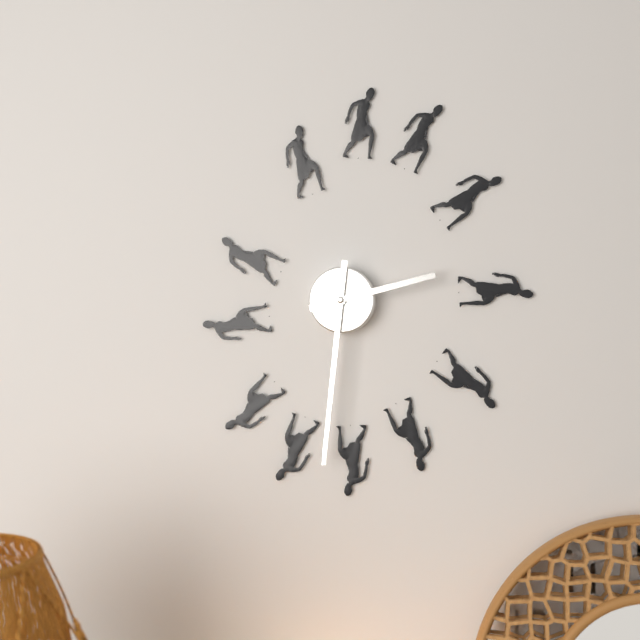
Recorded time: 2.31
